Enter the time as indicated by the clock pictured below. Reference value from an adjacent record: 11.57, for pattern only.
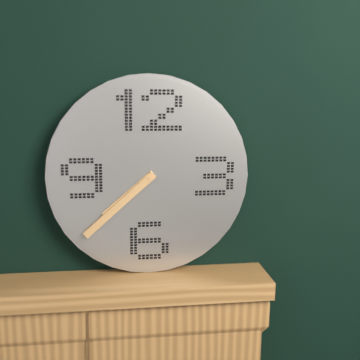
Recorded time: 7.38
